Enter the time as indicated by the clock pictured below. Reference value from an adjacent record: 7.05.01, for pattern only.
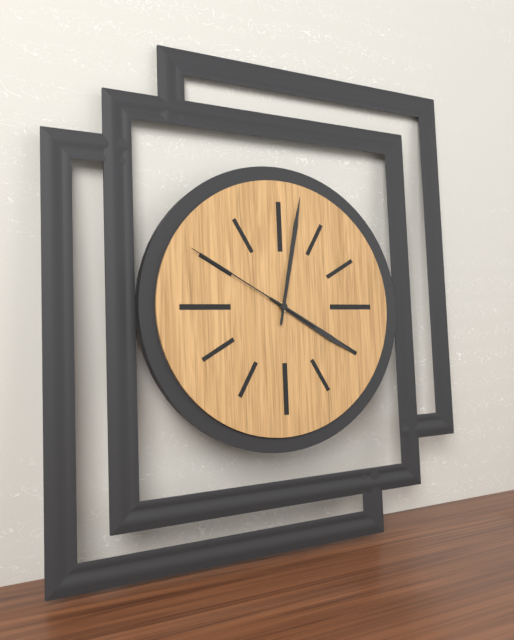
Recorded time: 4.02.50
